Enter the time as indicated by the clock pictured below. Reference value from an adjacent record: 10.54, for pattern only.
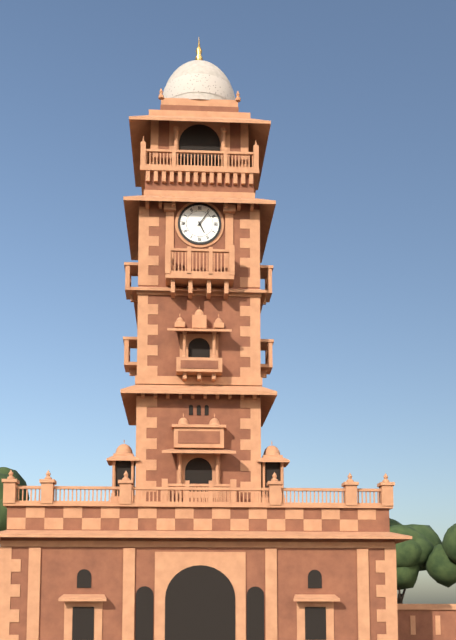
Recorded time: 5.06
